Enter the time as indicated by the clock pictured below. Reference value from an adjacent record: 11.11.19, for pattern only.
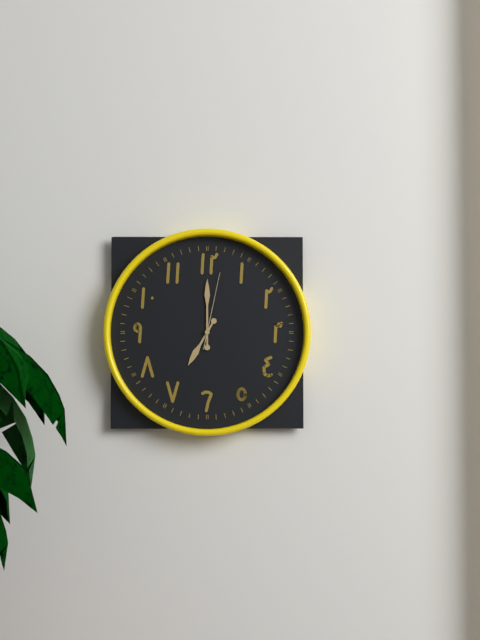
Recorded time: 7.00.02
